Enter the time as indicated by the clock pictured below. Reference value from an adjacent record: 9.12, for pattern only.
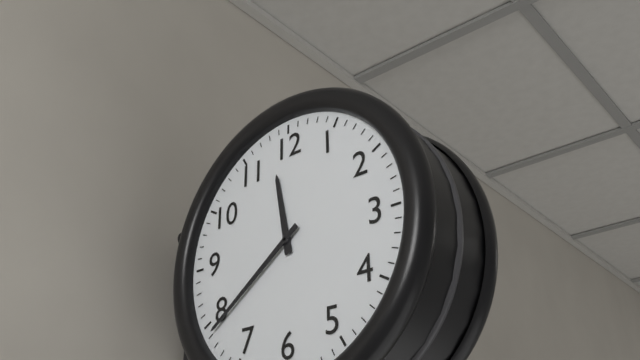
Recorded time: 11.39
